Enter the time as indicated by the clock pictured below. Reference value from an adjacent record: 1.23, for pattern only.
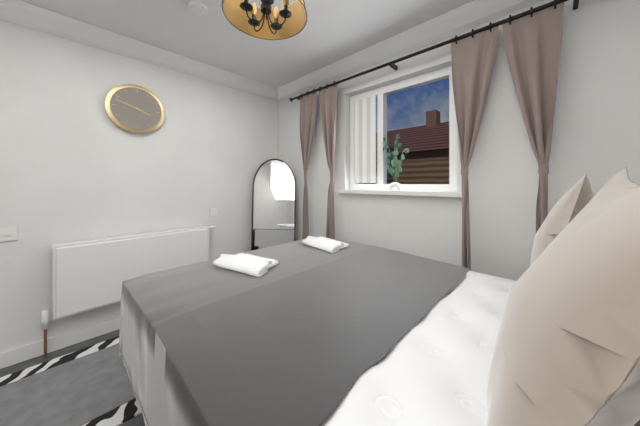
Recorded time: 3.48
